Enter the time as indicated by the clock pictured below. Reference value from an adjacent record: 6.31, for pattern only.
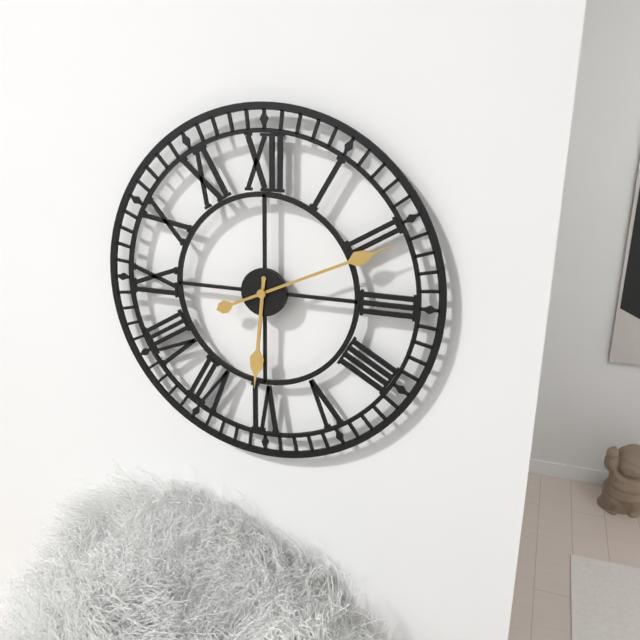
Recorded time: 6.11
